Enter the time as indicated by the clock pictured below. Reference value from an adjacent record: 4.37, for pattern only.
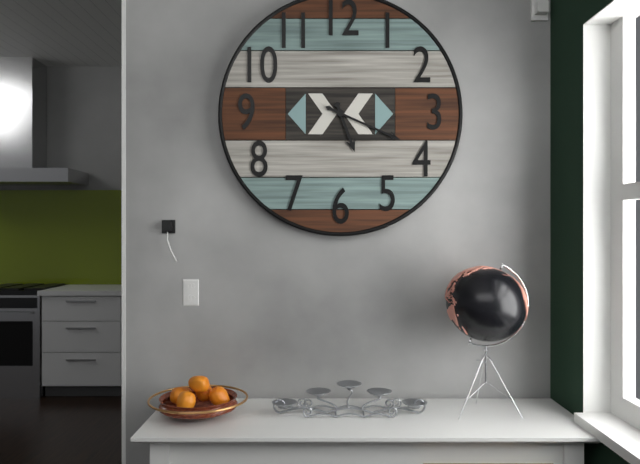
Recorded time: 5.19
